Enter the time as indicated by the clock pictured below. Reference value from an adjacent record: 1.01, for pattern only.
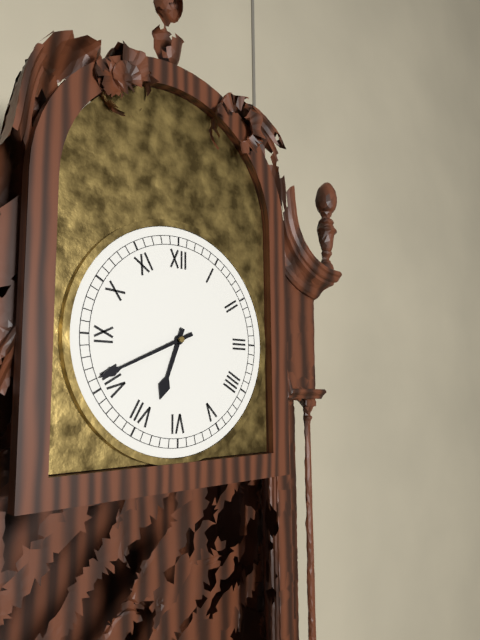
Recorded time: 6.41
